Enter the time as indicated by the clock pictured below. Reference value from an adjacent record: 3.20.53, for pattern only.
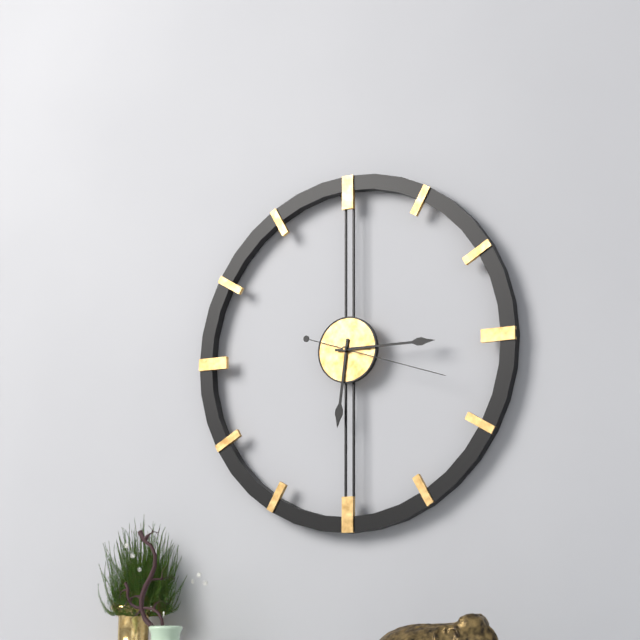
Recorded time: 6.15.18
